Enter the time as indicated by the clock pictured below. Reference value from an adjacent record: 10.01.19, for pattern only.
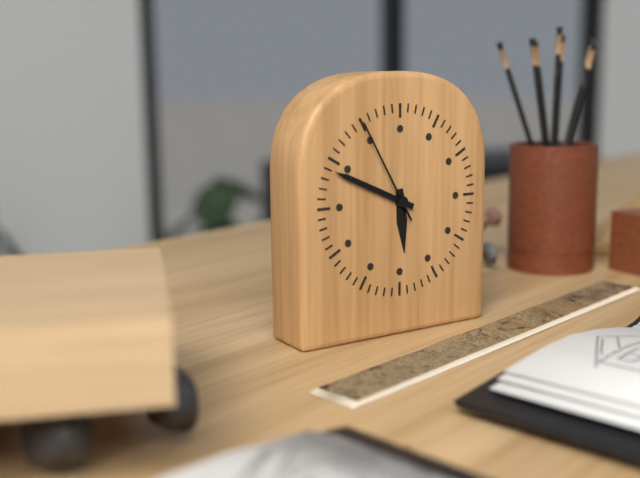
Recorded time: 5.49.55
